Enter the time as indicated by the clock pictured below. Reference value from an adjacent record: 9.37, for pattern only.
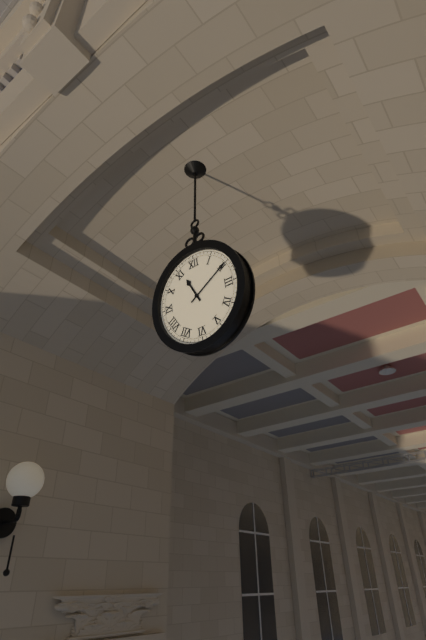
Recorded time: 11.10
